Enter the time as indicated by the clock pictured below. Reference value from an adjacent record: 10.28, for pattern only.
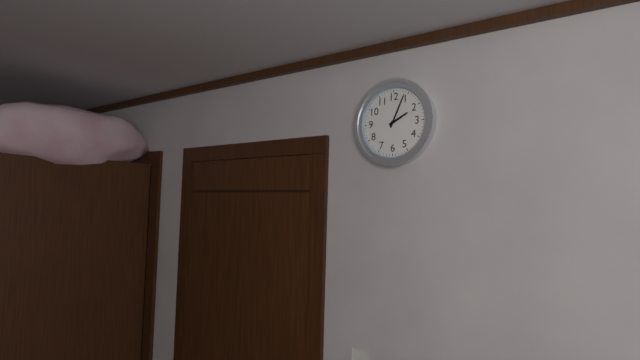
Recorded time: 2.04
